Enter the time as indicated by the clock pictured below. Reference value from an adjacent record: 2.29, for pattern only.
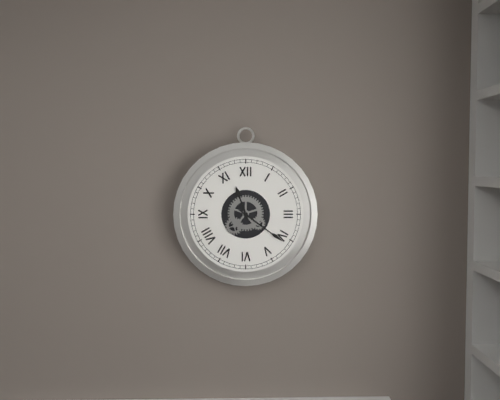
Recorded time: 11.21
